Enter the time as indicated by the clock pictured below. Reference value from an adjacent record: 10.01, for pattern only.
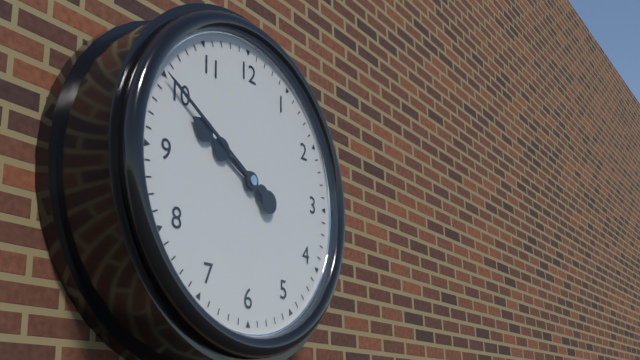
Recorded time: 9.50
